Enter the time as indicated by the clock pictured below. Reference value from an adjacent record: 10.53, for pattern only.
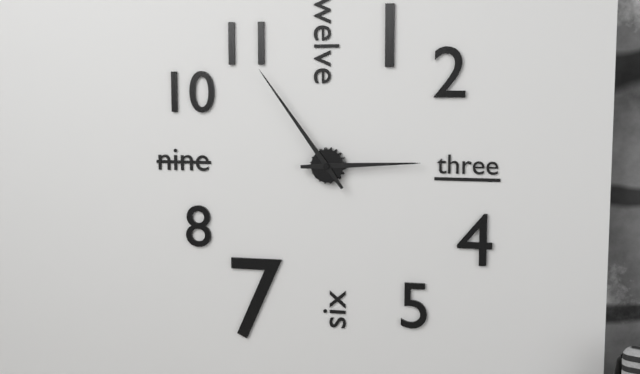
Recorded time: 2.54
